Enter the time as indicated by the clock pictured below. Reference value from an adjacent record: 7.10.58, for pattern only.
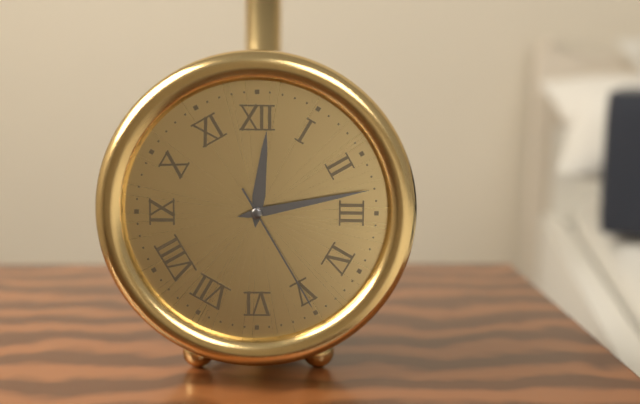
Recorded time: 12.13.25
